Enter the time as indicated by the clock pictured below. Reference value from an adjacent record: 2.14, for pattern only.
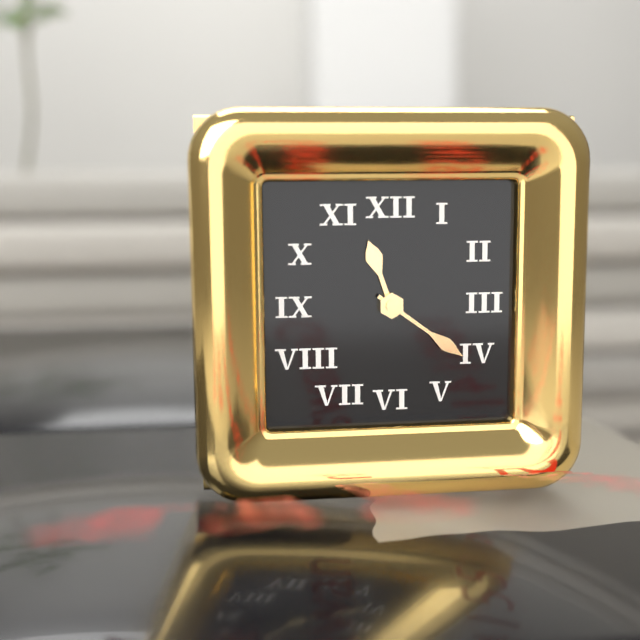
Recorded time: 11.21
